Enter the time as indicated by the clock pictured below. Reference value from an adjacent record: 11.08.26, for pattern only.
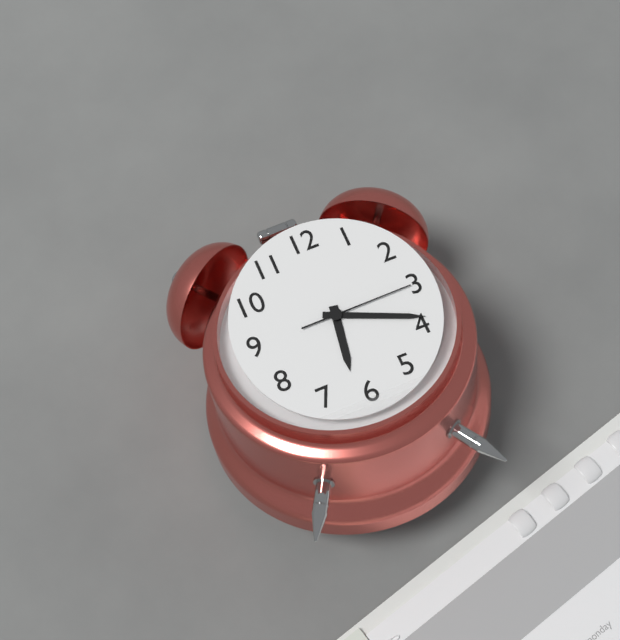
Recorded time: 6.19.15
